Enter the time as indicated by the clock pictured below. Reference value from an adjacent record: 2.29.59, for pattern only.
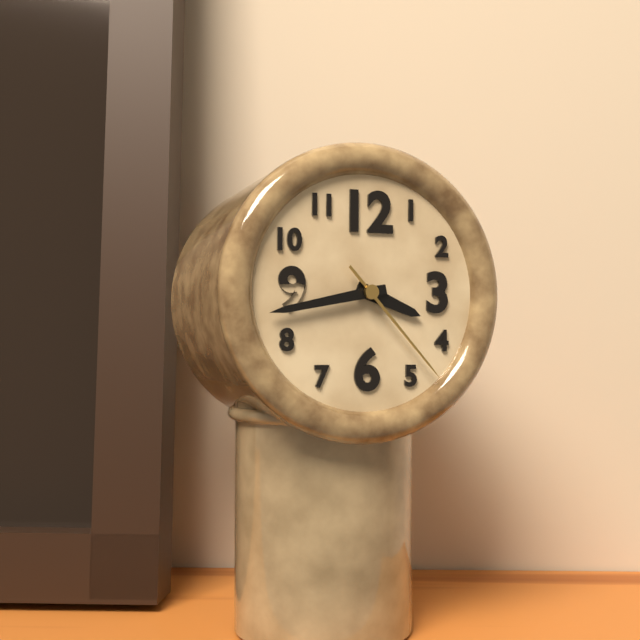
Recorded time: 3.43.23
